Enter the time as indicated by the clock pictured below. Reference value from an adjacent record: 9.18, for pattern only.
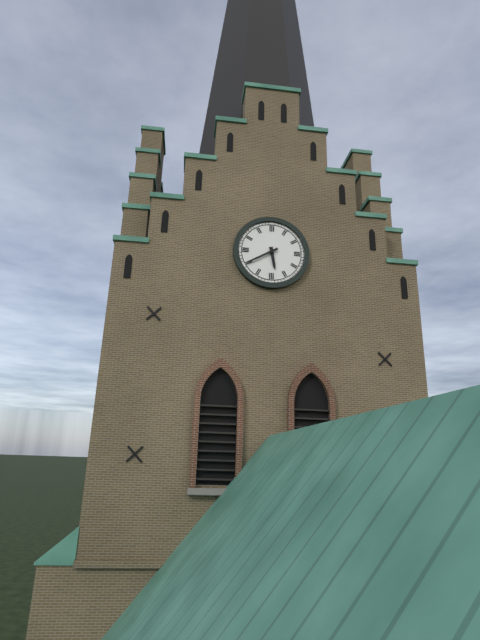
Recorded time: 5.40
